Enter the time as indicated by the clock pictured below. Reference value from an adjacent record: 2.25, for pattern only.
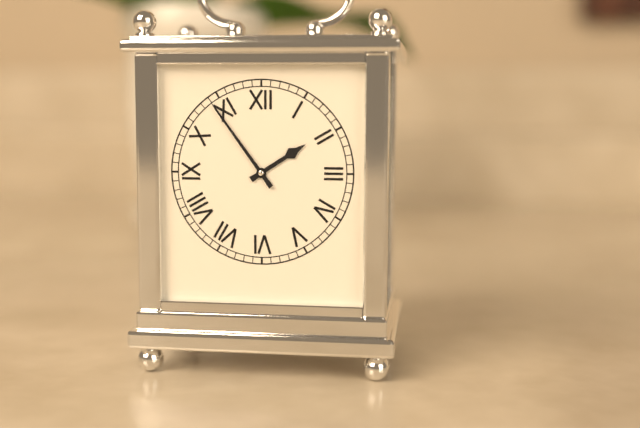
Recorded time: 1.54
